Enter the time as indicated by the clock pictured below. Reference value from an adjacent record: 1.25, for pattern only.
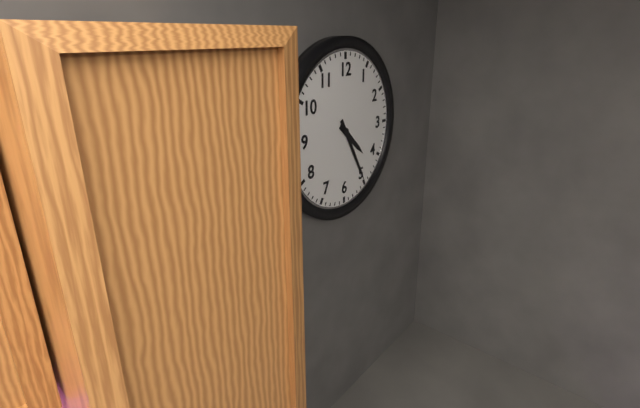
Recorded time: 4.25
